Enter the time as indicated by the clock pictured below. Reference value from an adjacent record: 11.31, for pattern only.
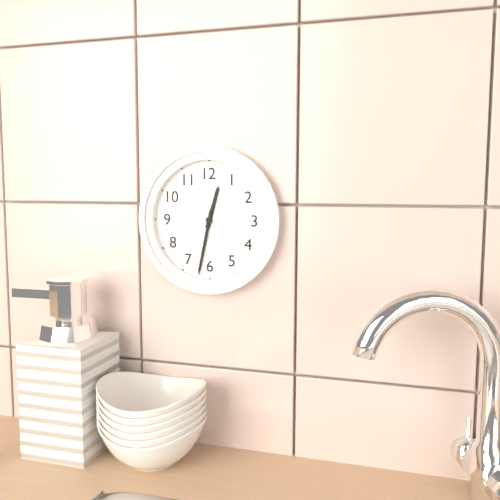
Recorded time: 12.32
